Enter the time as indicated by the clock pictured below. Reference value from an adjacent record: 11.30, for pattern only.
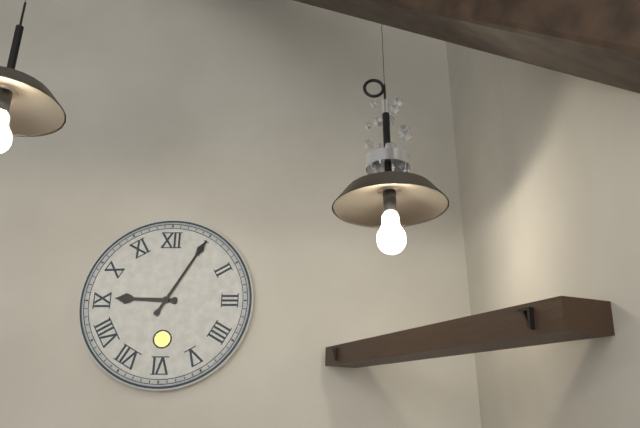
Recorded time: 9.05
